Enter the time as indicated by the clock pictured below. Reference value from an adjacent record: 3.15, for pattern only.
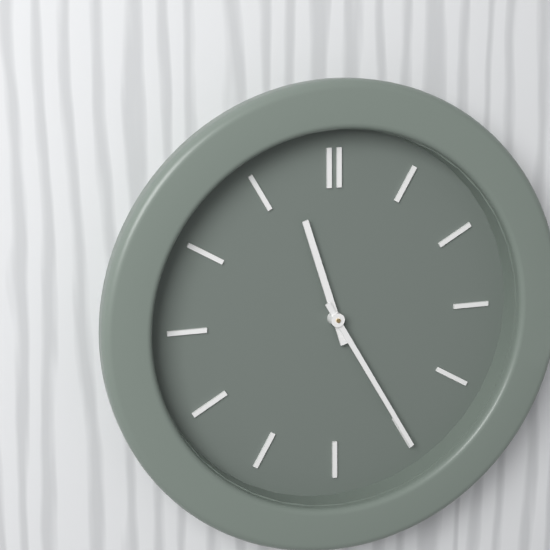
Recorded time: 11.25
